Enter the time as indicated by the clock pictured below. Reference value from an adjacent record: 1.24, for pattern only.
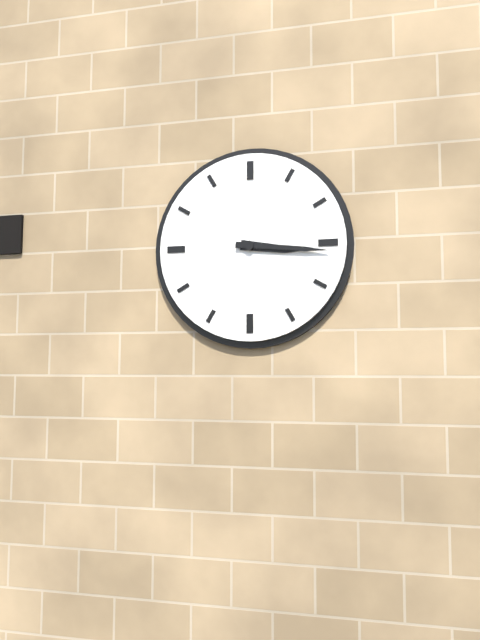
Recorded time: 3.16
